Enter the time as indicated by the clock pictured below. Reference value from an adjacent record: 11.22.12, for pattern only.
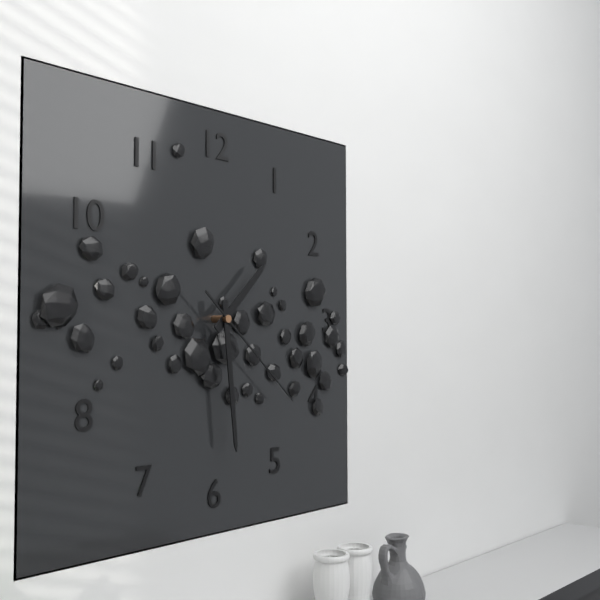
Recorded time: 1.29.22
